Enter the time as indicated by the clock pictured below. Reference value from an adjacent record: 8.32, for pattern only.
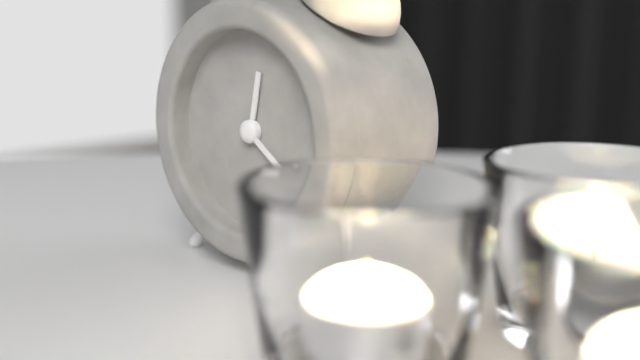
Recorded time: 12.21
